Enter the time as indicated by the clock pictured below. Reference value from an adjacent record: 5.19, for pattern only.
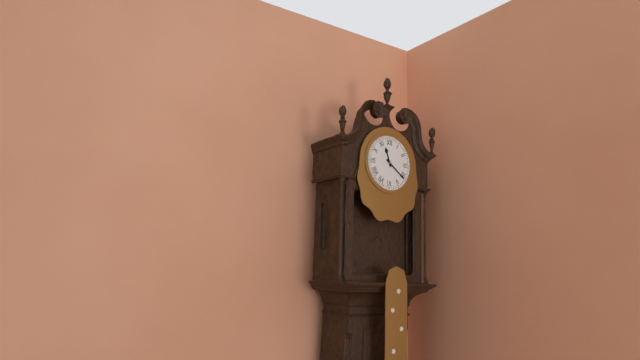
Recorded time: 11.21
